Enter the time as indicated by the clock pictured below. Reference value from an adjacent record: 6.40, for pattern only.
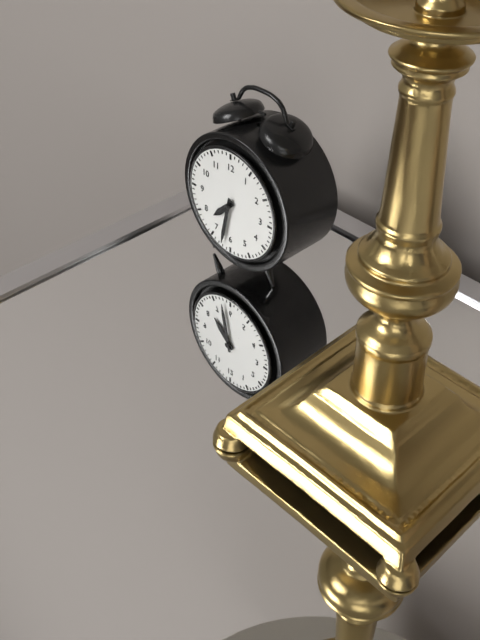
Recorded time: 7.32
